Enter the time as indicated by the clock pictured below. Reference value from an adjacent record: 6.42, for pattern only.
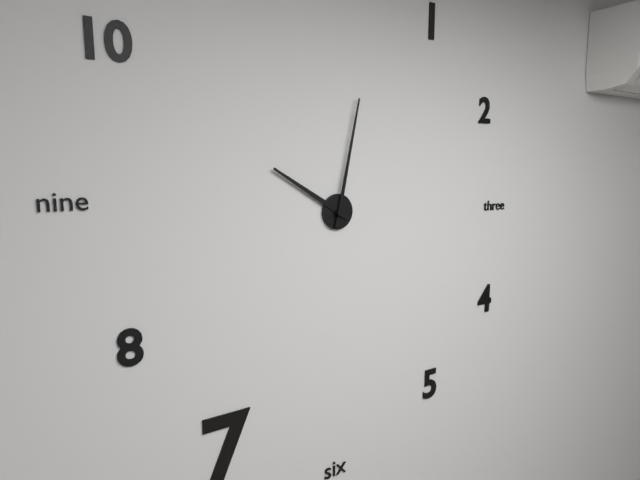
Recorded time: 10.02
